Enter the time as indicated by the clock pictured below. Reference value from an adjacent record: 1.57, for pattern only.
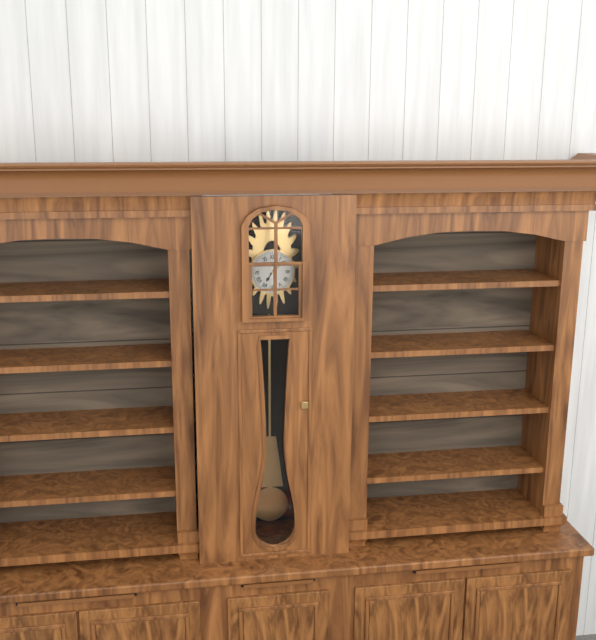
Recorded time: 7.08
